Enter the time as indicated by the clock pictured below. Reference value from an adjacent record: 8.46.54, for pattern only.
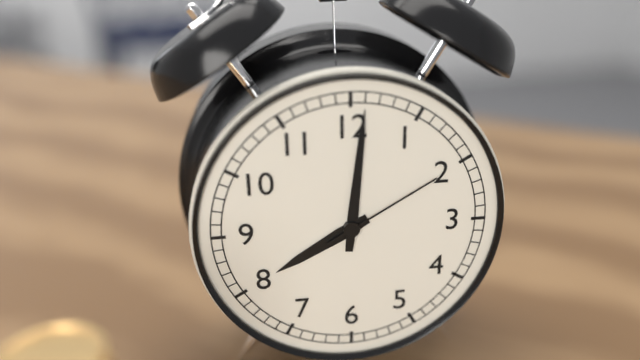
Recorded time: 8.01.10
